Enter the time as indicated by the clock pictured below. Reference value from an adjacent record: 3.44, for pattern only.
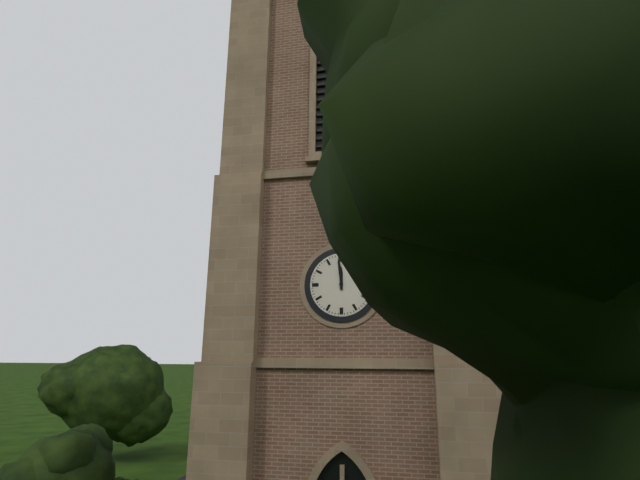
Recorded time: 11.59
